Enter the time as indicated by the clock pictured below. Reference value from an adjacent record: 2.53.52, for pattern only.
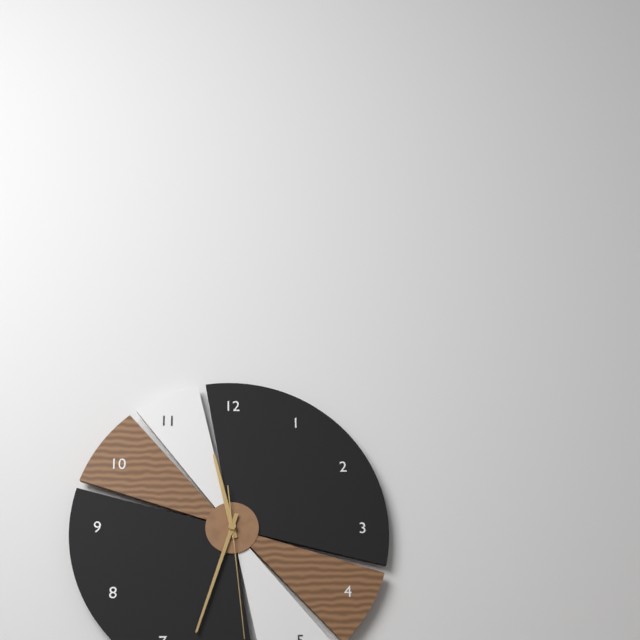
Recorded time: 11.33.29
